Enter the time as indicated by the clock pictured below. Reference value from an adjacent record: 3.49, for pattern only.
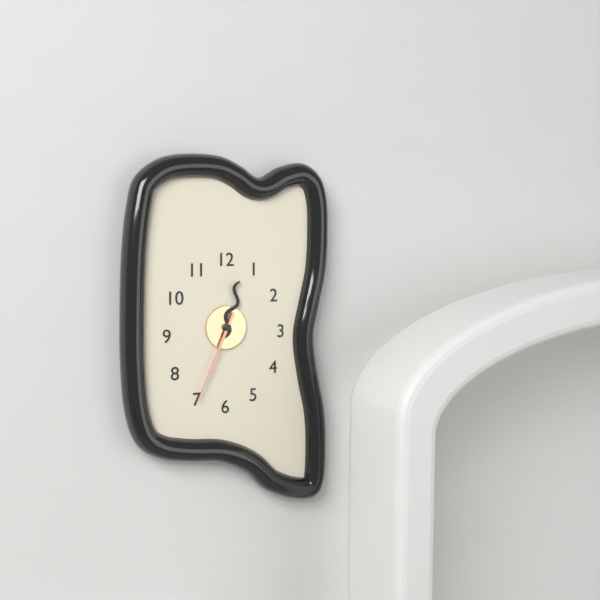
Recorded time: 12.34
